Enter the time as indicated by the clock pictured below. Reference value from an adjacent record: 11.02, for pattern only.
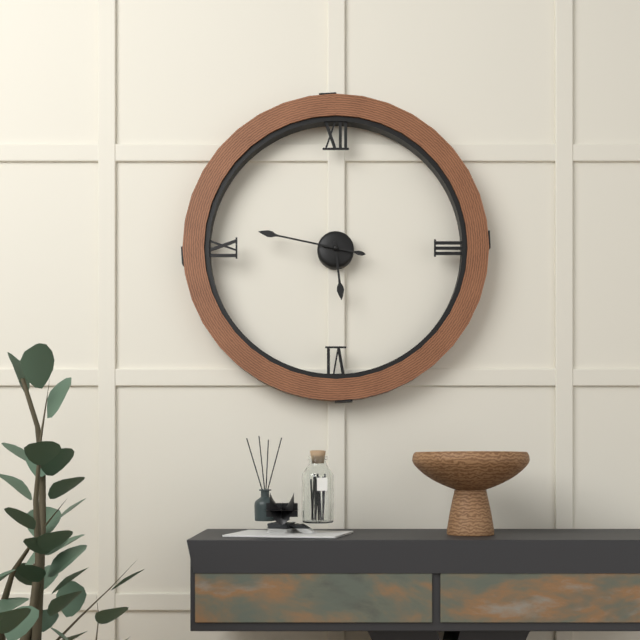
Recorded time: 5.47
